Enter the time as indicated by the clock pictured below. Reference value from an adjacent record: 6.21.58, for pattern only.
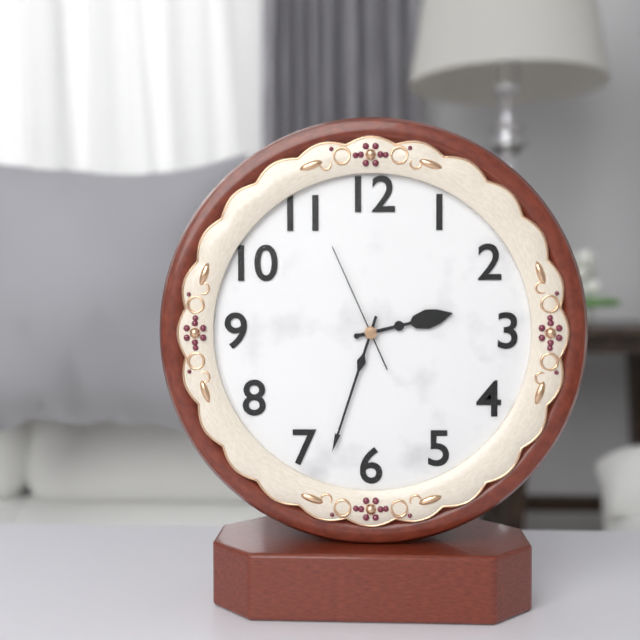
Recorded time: 2.33.56
